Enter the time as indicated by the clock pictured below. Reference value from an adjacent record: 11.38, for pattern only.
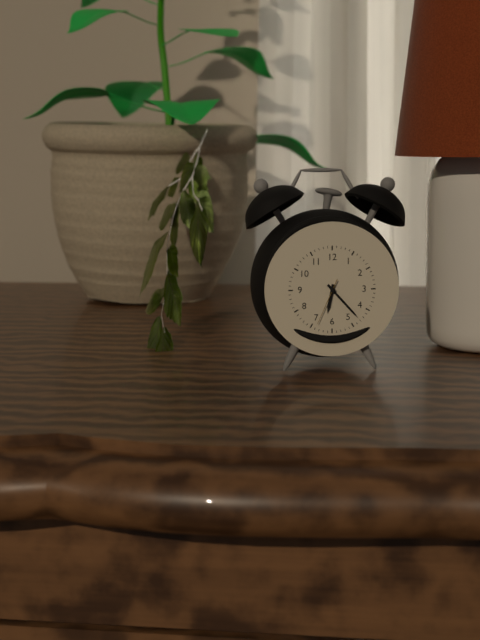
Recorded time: 6.23
